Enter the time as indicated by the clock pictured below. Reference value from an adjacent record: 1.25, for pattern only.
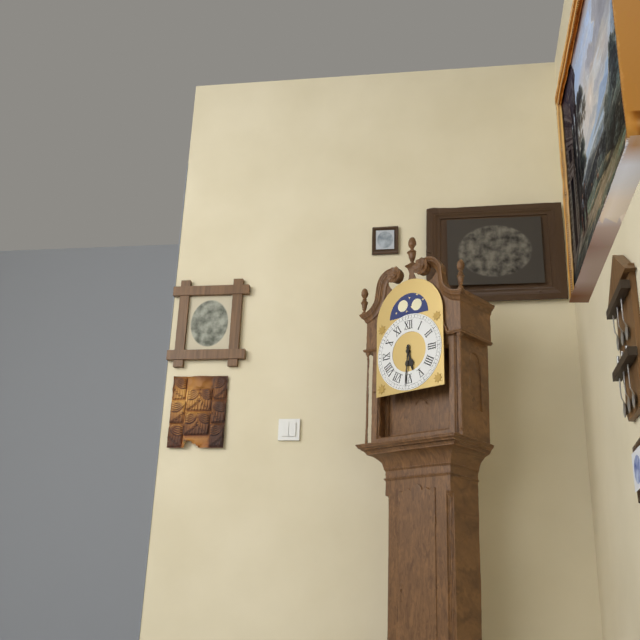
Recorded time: 5.31
